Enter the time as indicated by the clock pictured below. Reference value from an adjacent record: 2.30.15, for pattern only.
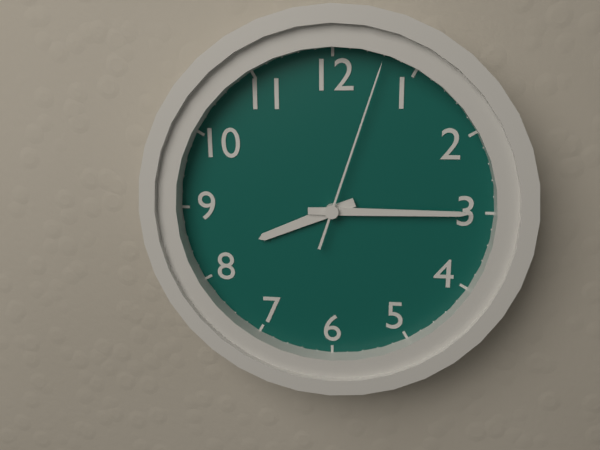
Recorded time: 8.15.03
